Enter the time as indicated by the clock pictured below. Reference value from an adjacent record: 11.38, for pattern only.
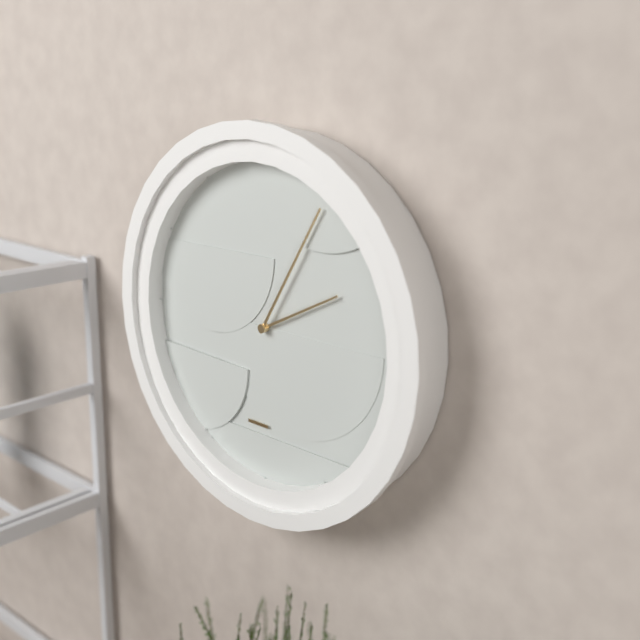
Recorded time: 2.05
